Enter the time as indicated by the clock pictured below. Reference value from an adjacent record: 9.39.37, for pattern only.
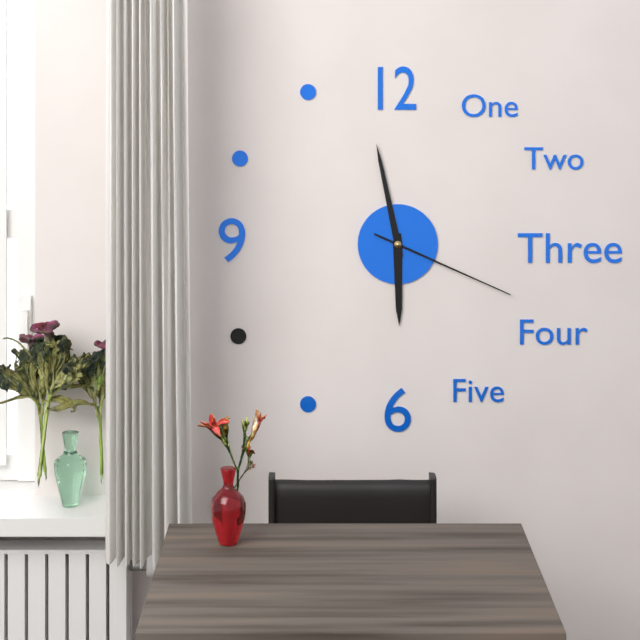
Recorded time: 5.58.19
